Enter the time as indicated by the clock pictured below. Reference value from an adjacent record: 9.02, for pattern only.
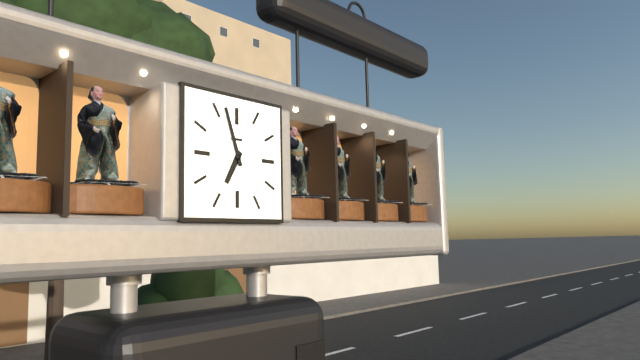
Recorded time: 6.57
